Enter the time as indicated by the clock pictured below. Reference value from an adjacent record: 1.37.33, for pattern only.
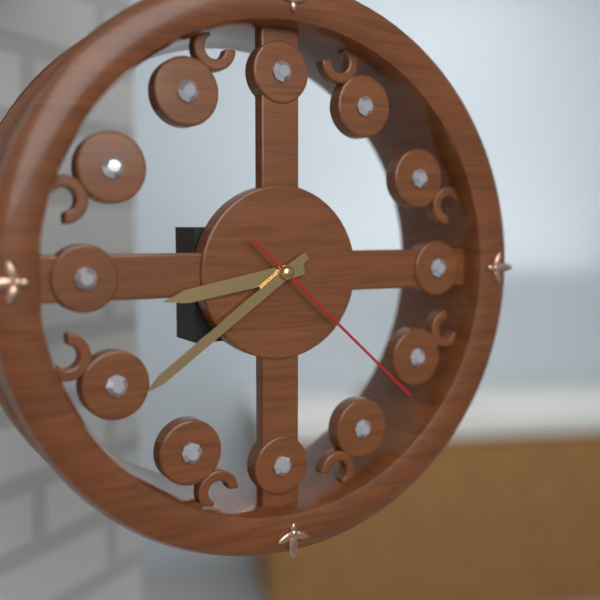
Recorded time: 8.39.22
